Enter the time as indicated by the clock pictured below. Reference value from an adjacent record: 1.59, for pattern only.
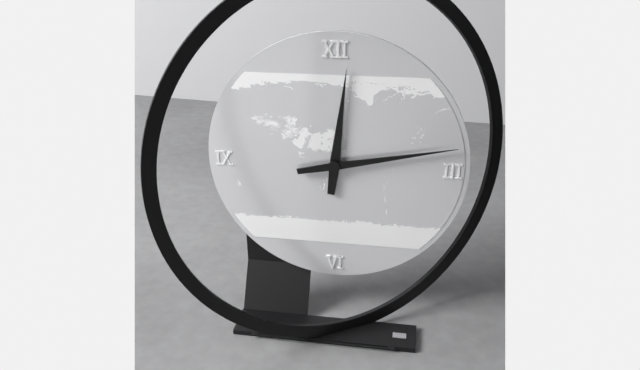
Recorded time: 12.13
